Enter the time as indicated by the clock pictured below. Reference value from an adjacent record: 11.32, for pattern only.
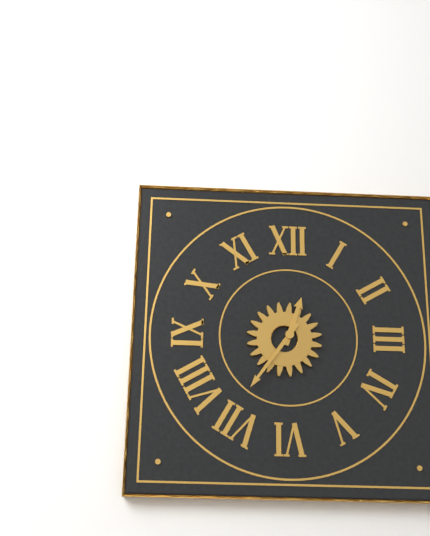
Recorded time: 12.36
